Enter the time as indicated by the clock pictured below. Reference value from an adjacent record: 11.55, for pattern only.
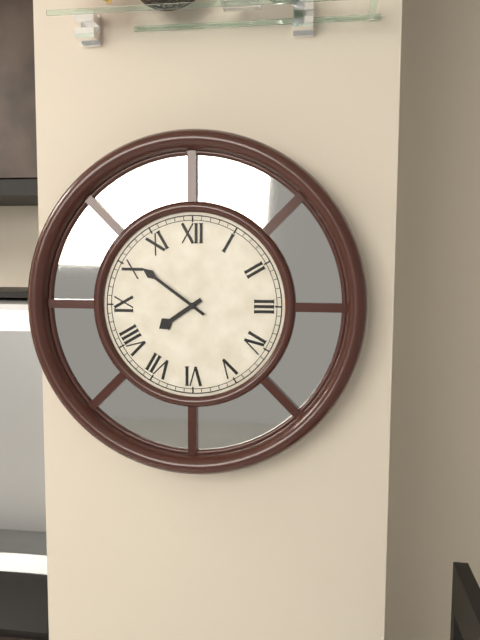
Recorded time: 7.51
